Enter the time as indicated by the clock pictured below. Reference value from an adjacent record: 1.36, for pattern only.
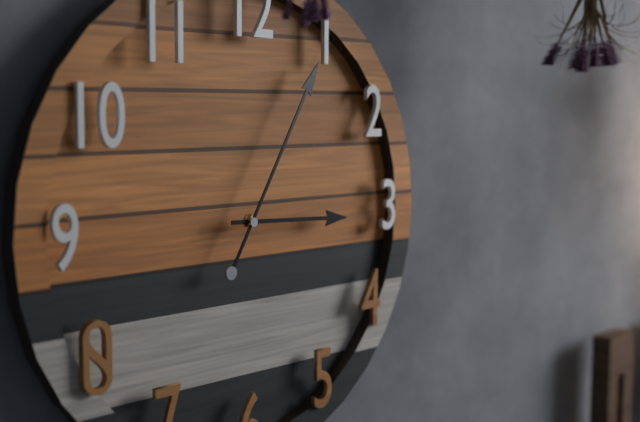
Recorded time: 3.05
